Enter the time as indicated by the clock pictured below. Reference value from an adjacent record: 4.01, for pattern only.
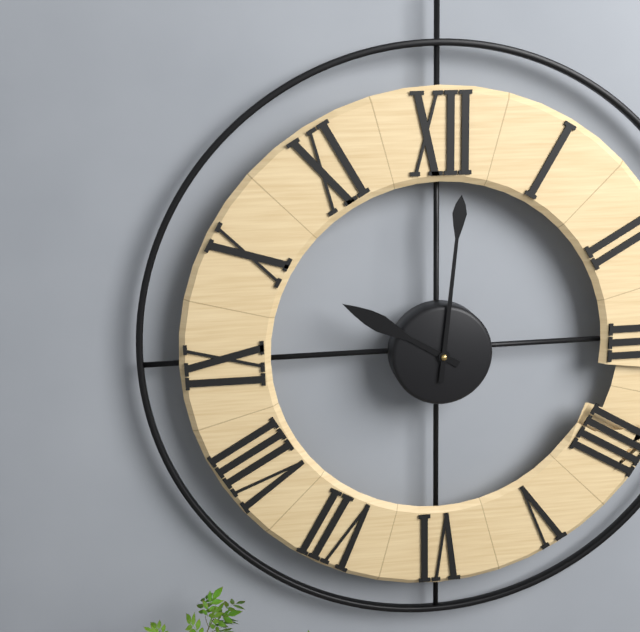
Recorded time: 10.01
